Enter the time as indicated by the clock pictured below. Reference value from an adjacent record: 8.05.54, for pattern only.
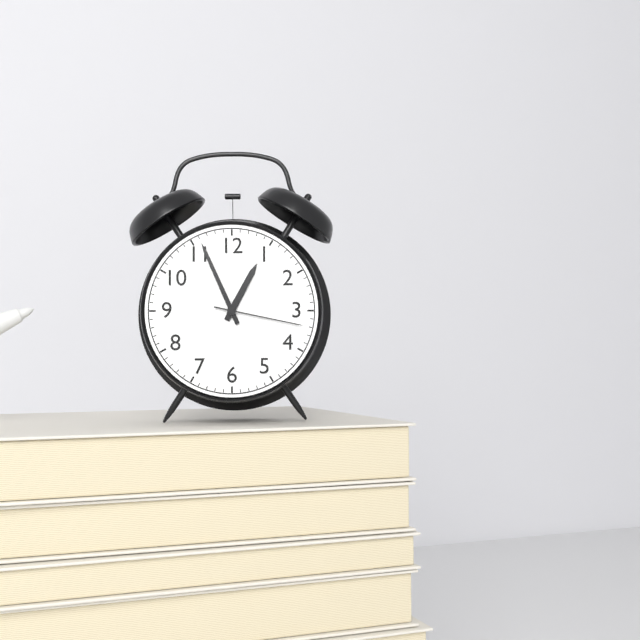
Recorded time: 12.56.17
